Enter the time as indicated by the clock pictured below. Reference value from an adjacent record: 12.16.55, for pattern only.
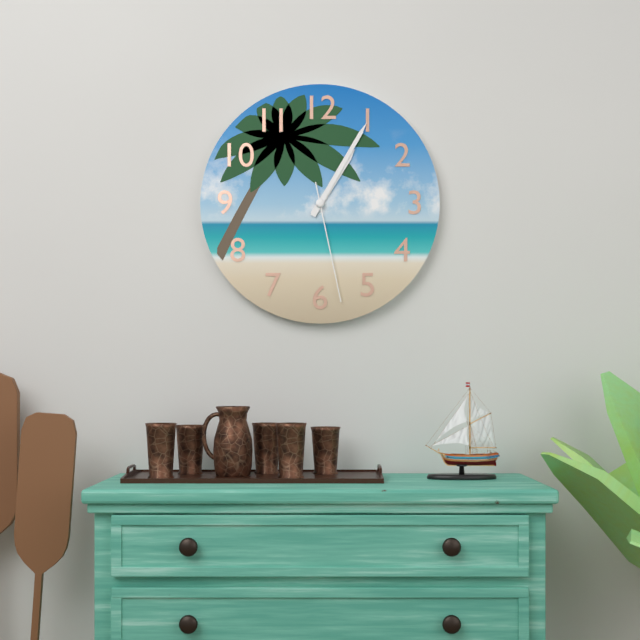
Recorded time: 1.05.28
